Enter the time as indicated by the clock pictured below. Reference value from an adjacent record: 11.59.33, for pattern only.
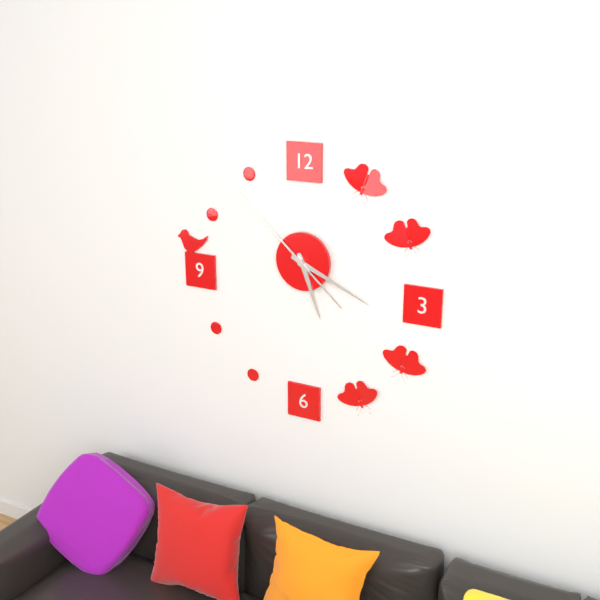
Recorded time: 5.19.52
